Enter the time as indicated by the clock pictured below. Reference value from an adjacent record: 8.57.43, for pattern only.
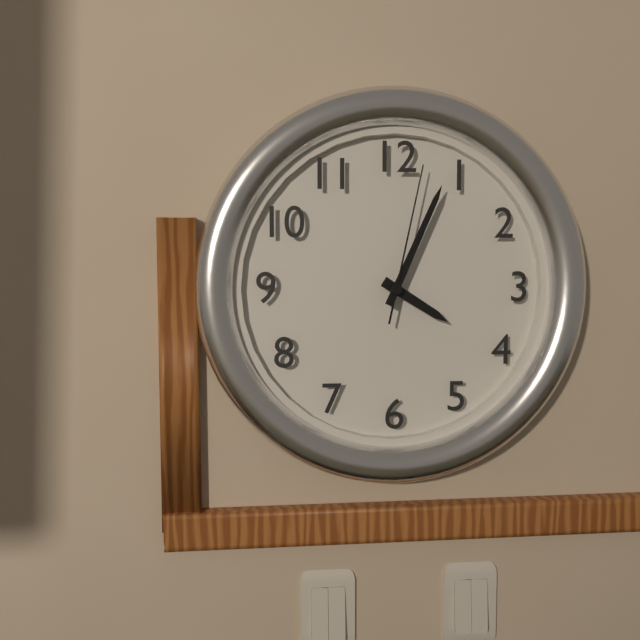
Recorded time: 4.04.02
